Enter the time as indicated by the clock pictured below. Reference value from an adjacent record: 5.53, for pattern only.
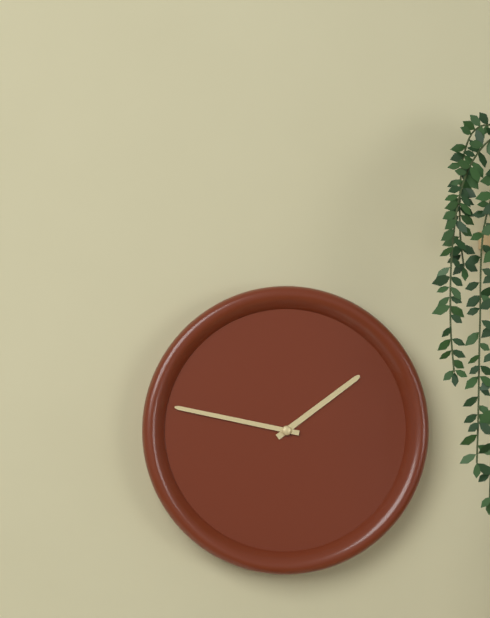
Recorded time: 1.47
